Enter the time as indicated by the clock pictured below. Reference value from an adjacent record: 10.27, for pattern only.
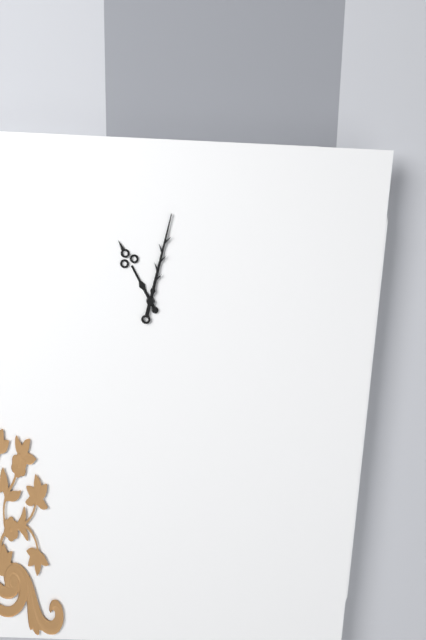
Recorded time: 11.02
